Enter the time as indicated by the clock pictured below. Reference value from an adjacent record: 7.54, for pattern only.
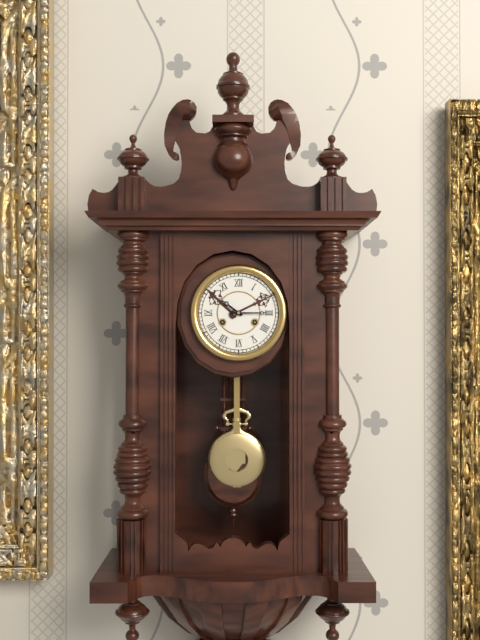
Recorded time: 10.15
